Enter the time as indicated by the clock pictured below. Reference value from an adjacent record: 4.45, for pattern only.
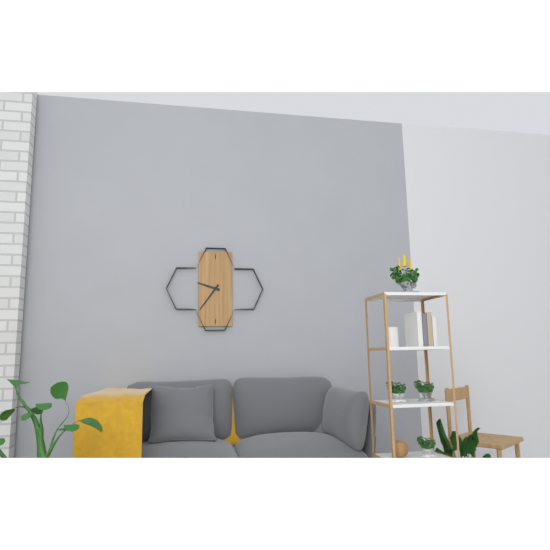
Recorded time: 9.36
